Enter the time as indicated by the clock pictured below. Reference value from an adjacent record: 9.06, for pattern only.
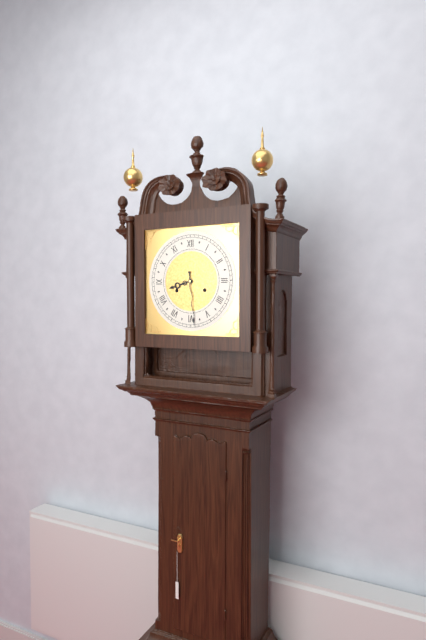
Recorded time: 8.29
